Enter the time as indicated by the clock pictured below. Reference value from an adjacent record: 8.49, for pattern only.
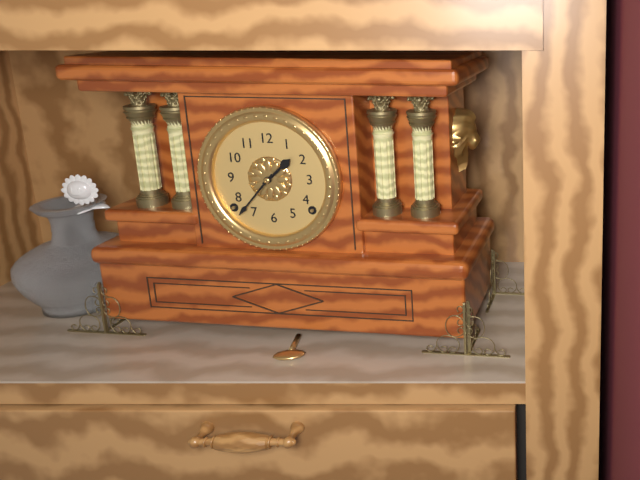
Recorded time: 1.37
